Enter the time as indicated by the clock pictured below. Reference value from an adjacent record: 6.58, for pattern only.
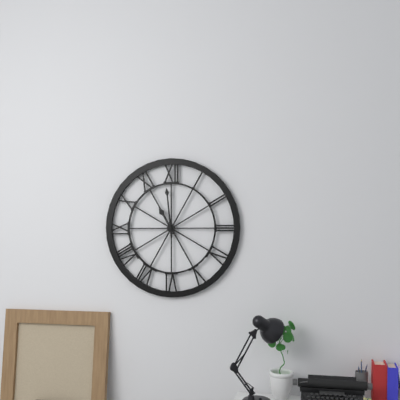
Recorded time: 10.59
